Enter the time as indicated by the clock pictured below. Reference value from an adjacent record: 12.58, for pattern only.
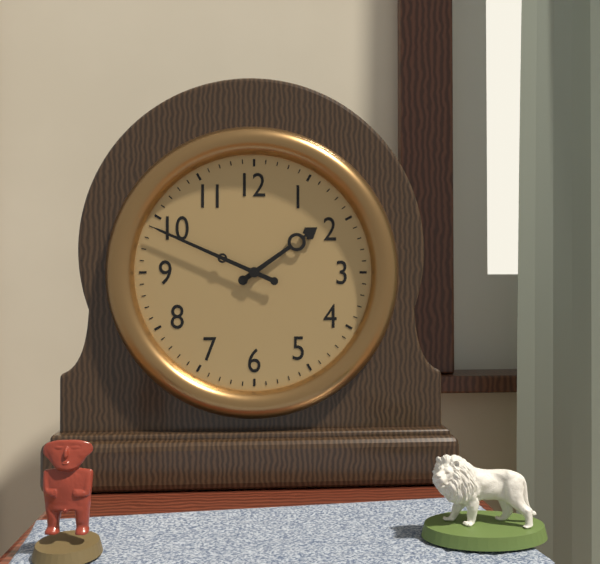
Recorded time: 1.49
